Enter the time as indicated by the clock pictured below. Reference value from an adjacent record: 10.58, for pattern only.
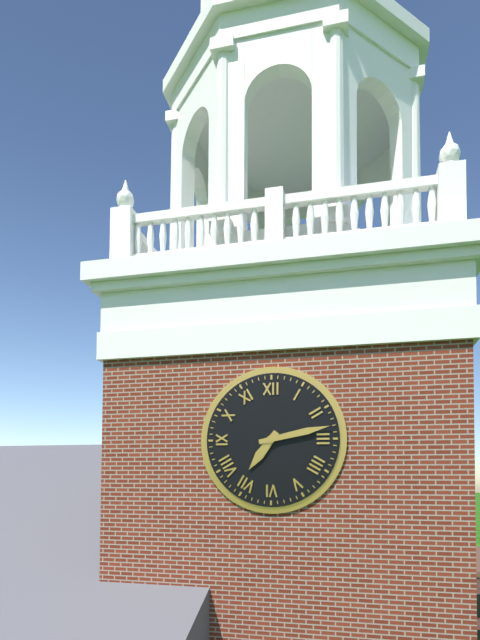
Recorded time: 7.13
